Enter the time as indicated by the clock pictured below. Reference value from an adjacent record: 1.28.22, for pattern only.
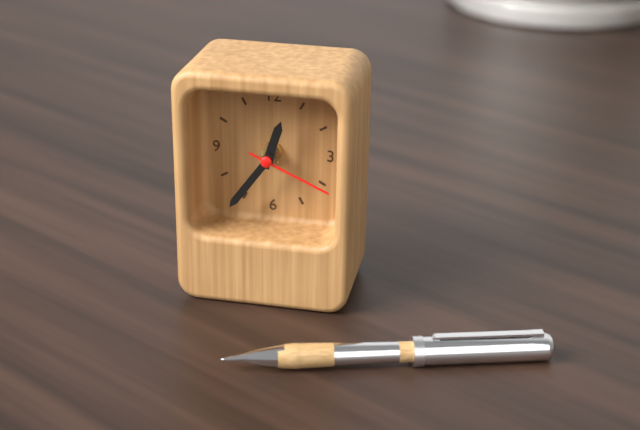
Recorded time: 12.36.19
